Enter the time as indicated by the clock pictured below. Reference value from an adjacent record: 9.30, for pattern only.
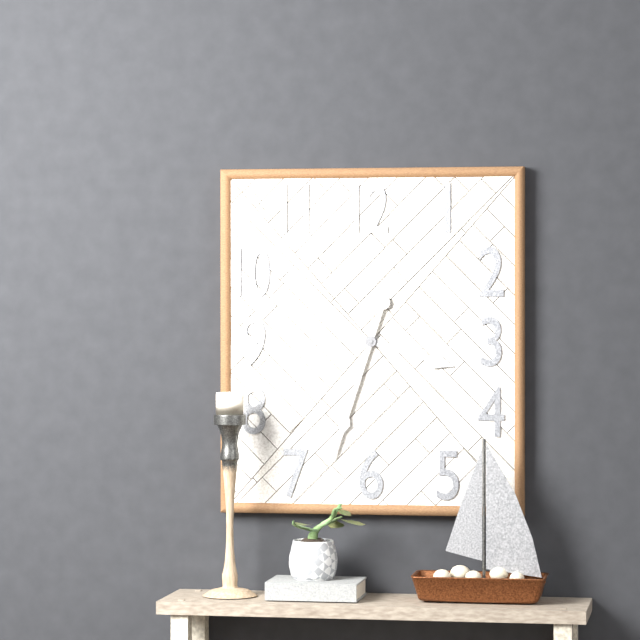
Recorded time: 3.33
